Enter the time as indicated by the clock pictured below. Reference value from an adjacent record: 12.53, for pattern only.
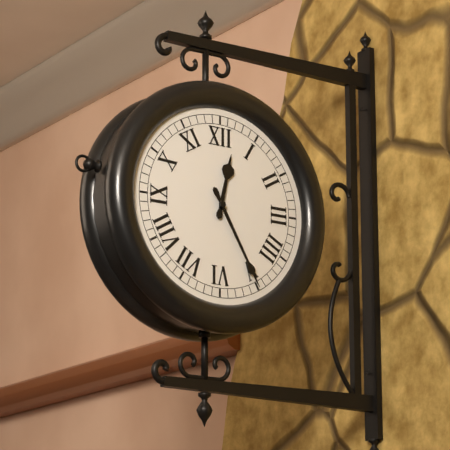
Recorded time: 12.25
